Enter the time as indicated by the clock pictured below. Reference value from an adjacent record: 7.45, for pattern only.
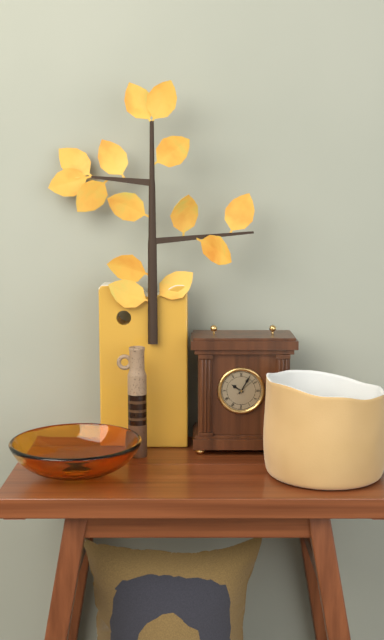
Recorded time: 10.05
